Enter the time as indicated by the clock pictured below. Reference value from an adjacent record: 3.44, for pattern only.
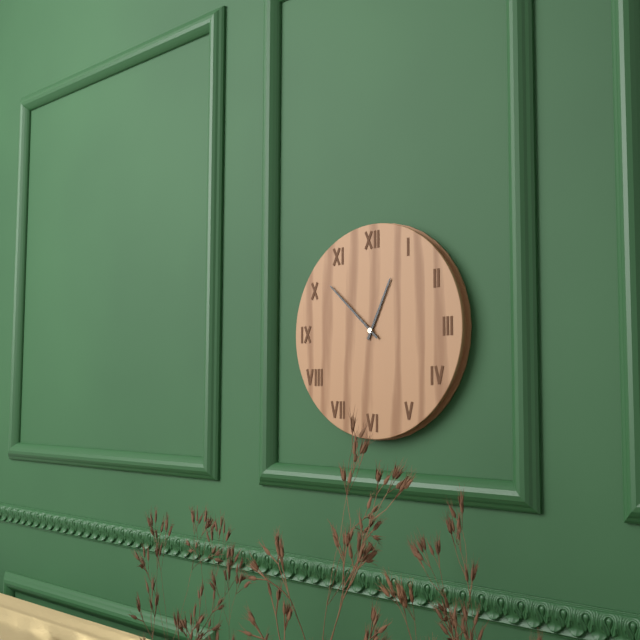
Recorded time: 12.52
